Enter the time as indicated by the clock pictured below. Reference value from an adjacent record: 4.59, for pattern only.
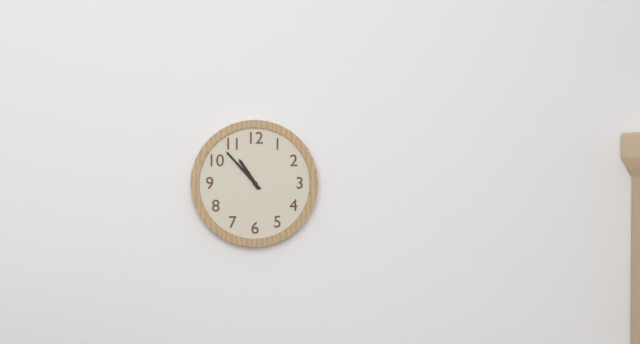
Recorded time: 10.53
